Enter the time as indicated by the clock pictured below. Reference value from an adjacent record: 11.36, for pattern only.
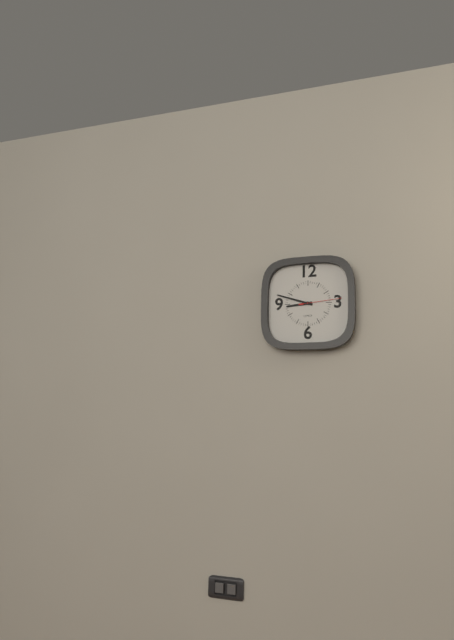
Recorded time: 8.48
